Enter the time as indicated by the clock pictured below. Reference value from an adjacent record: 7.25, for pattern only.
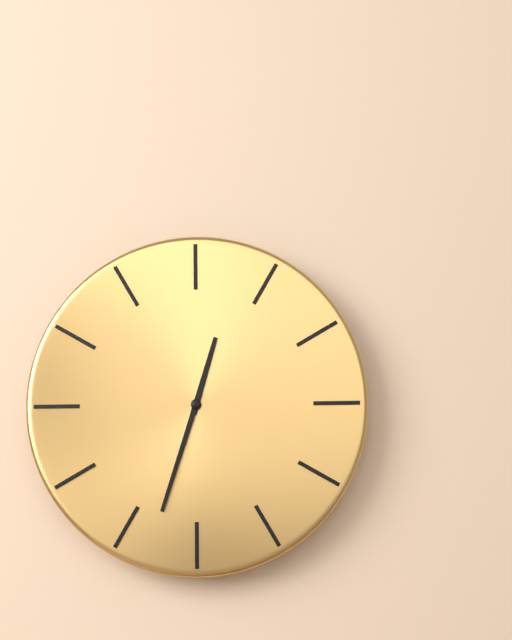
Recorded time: 12.33
